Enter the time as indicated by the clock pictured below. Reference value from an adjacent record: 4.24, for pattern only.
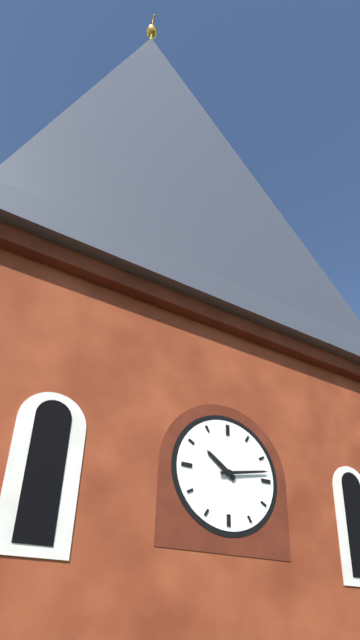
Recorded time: 10.13
